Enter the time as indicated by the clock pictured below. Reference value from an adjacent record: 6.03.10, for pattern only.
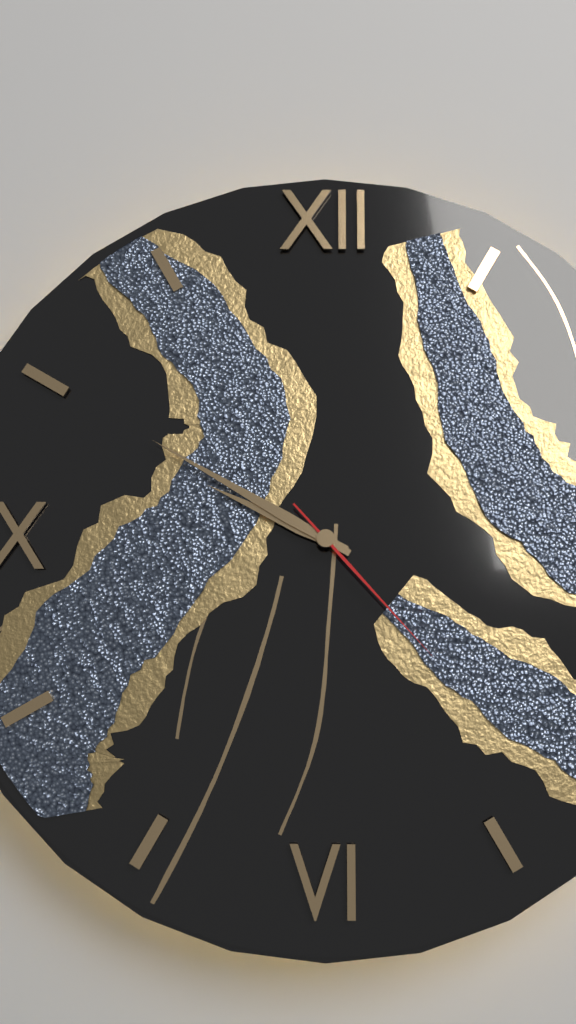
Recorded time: 9.50.23
